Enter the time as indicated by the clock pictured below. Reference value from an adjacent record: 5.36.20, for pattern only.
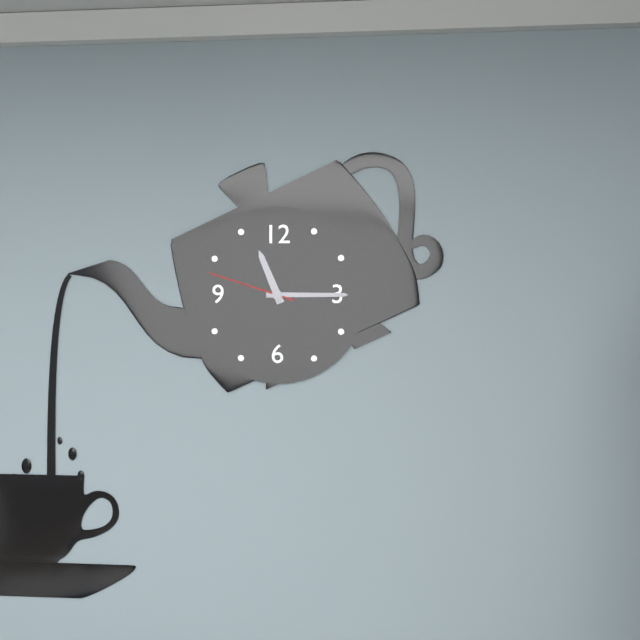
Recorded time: 11.15.48
